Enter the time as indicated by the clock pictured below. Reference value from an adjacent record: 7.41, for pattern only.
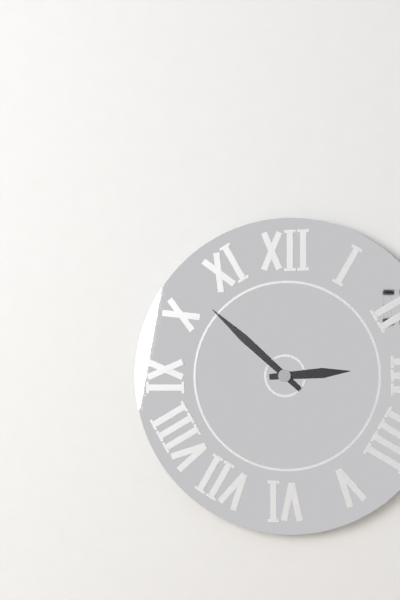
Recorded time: 2.52
